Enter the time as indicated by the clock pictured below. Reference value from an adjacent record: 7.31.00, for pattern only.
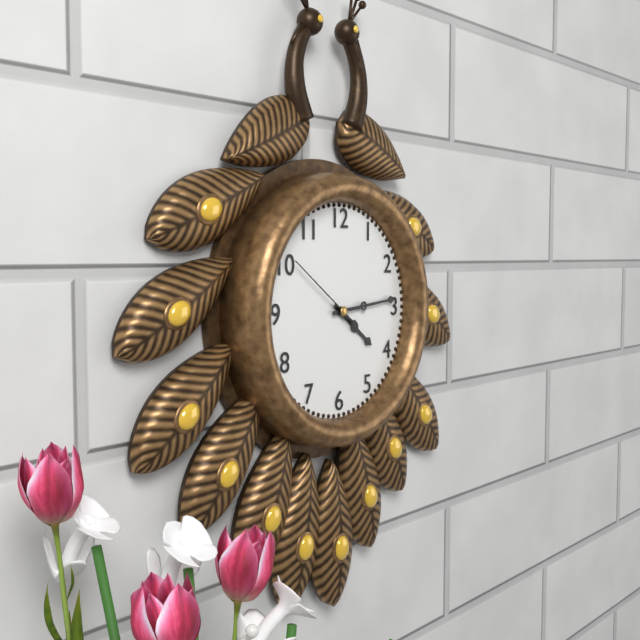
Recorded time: 4.14.51
